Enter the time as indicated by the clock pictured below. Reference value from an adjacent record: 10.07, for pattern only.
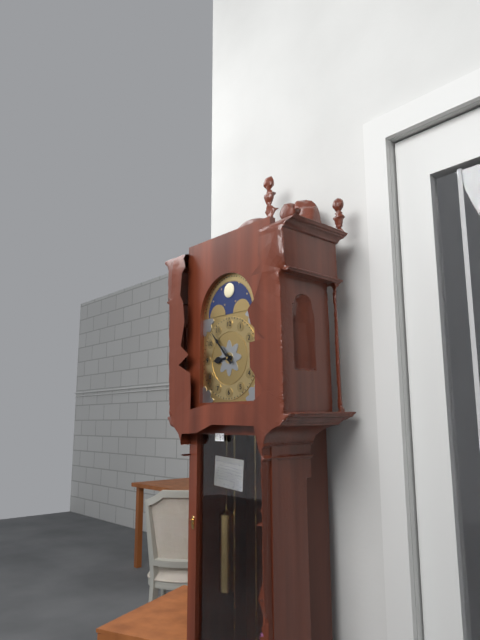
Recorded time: 8.53
